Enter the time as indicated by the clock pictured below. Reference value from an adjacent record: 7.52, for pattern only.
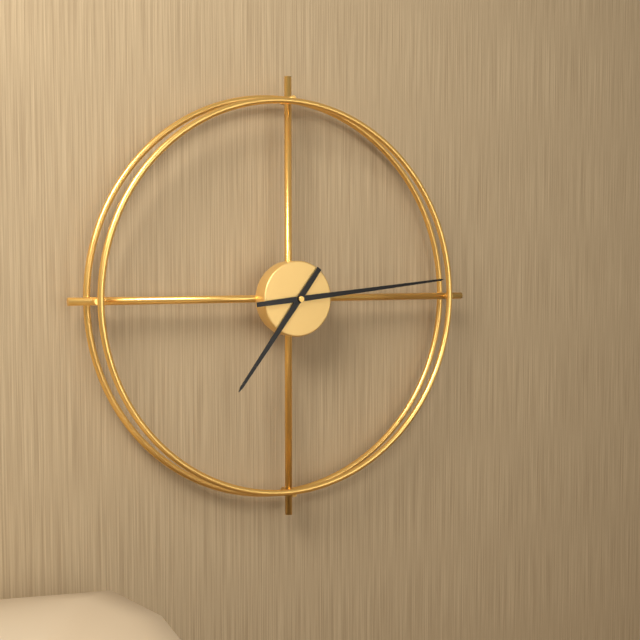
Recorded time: 7.14
